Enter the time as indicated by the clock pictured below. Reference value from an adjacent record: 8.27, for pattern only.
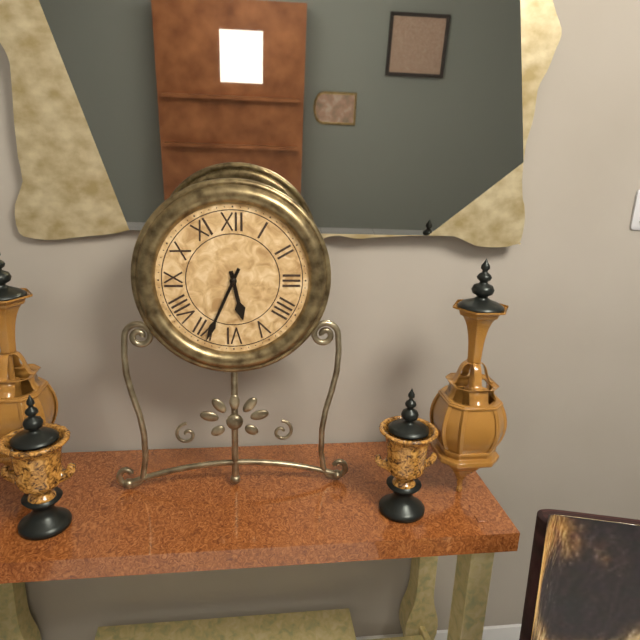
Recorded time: 5.34
